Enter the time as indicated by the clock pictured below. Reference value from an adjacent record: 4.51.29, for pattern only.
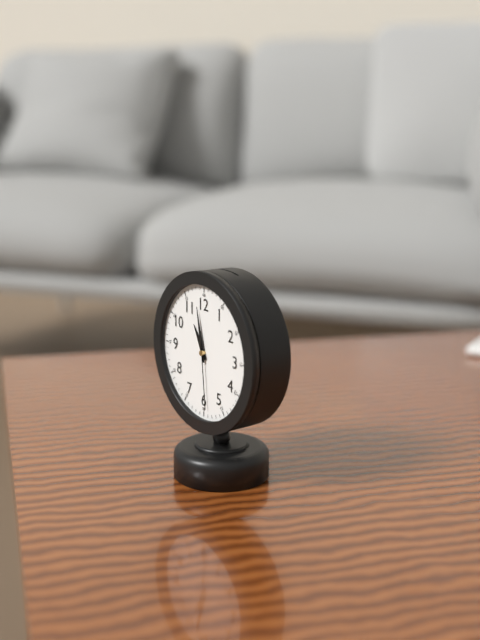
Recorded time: 10.58.29
